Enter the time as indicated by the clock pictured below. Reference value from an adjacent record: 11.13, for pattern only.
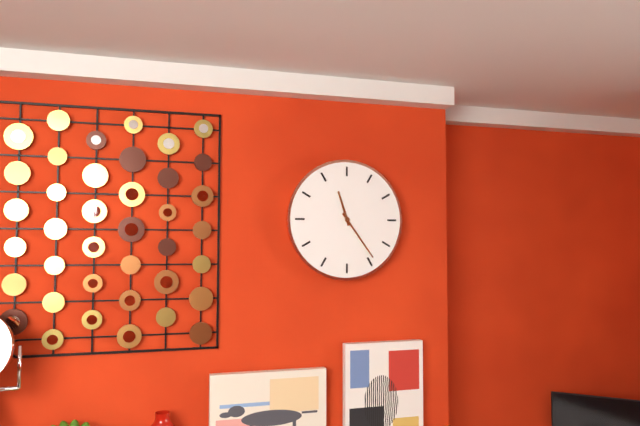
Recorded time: 11.24
